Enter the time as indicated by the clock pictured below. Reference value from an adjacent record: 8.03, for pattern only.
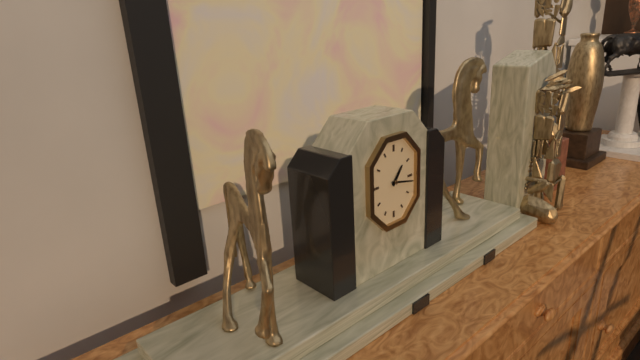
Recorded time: 1.17
